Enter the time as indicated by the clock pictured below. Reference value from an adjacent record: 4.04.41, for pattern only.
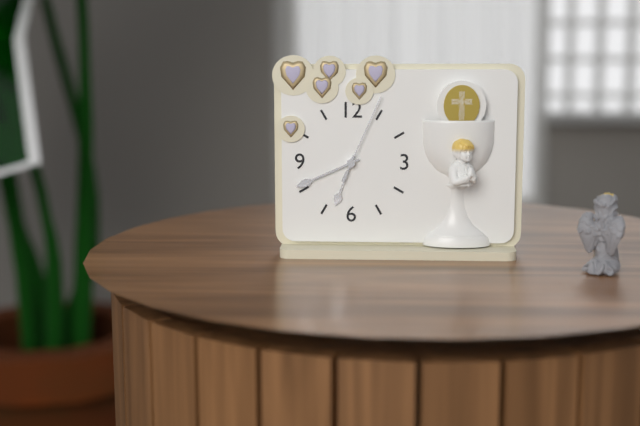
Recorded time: 6.41.04
